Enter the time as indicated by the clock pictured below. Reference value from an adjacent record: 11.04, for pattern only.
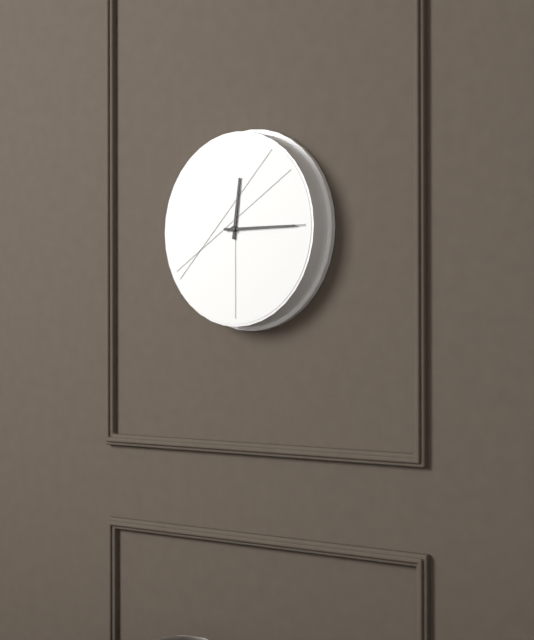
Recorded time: 12.15
